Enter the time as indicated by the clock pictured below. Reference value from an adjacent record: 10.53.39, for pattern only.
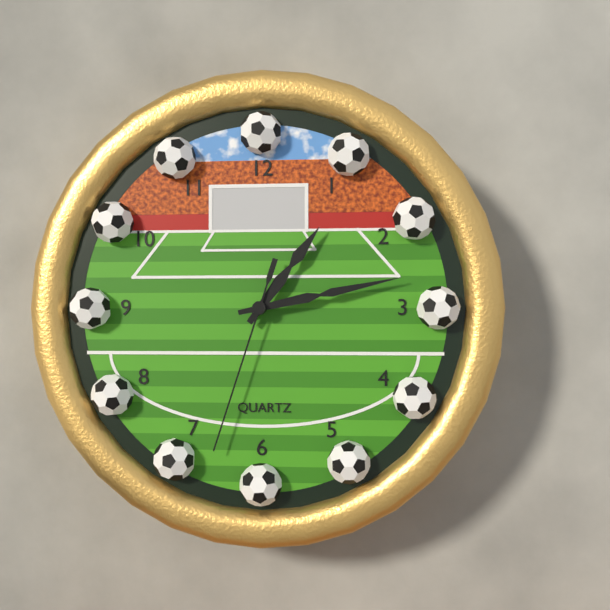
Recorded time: 1.13.33
